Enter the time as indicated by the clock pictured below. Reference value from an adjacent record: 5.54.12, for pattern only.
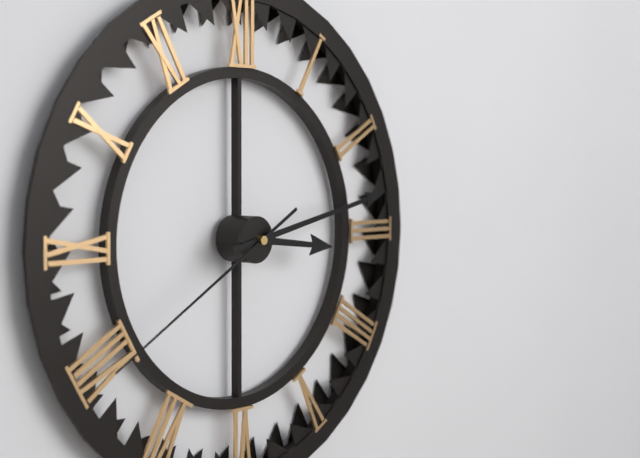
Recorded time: 3.13.40
